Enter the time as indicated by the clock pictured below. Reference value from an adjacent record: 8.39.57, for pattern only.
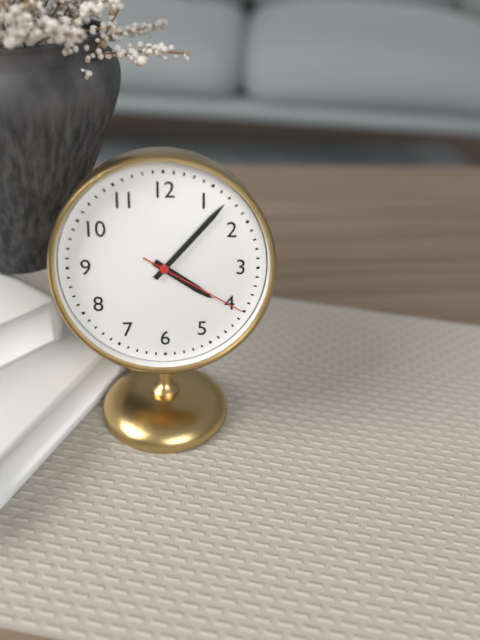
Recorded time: 4.07.20
